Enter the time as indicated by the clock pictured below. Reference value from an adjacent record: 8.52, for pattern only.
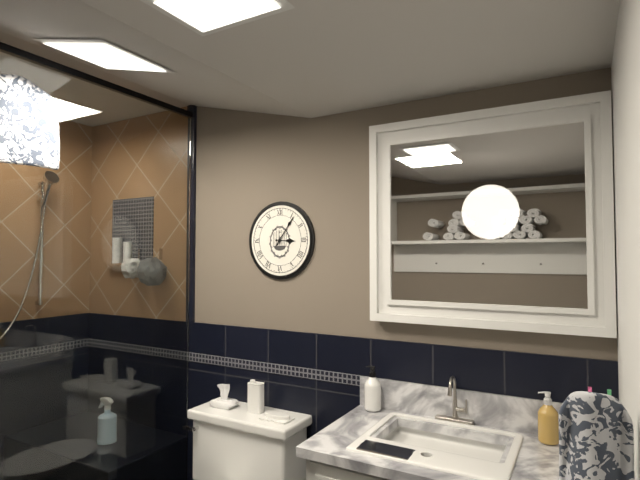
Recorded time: 3.06
